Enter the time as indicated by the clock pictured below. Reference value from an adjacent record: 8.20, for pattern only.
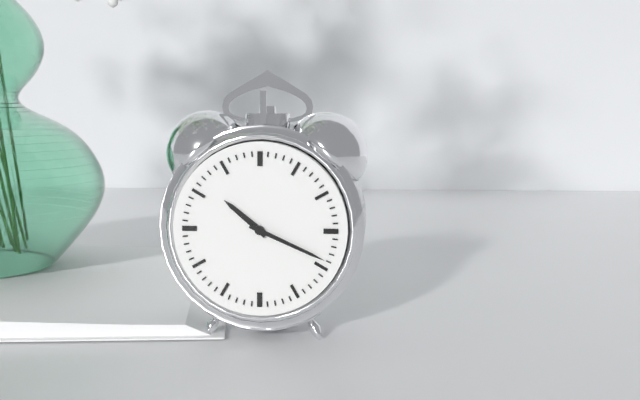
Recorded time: 10.19
